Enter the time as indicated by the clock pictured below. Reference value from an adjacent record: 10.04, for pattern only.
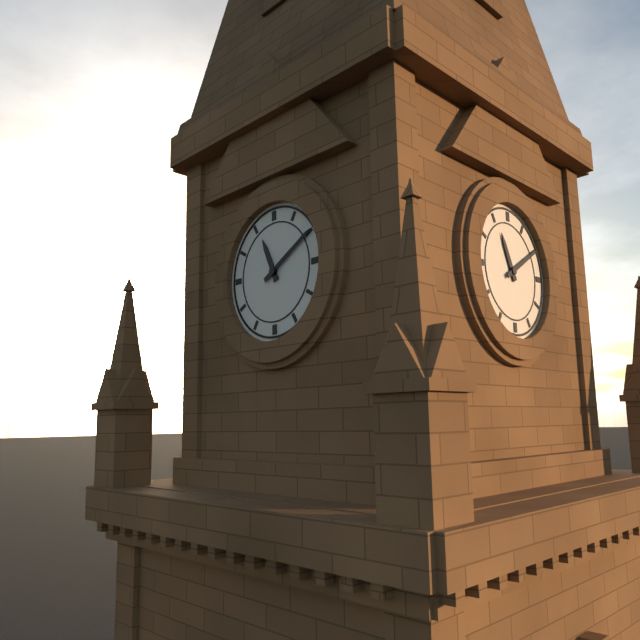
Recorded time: 11.10
